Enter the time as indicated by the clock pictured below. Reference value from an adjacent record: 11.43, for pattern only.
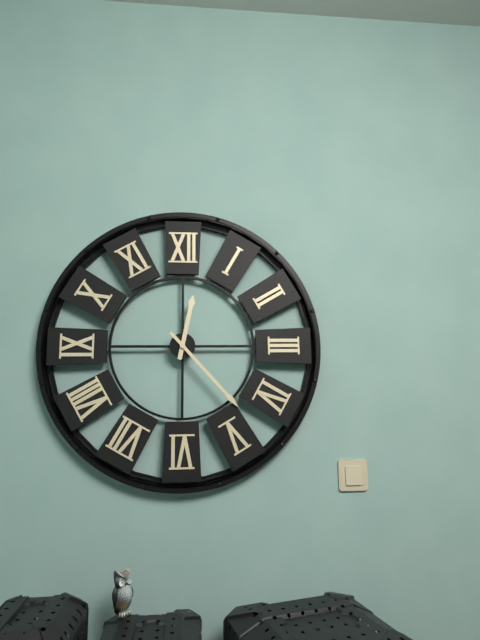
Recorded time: 12.23
